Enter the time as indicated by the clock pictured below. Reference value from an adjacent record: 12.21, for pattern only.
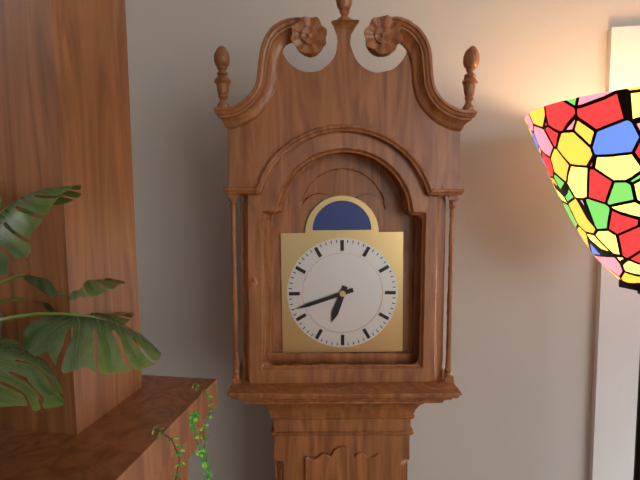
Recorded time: 6.42
